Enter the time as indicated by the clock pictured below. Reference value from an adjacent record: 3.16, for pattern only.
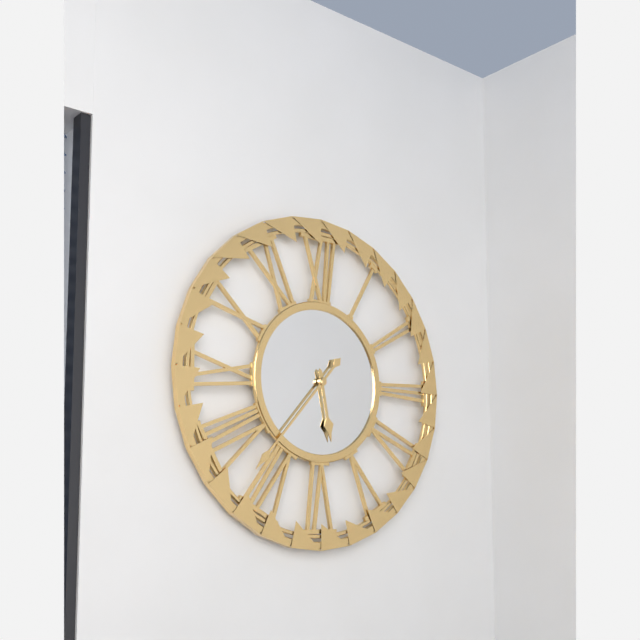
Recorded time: 5.37
